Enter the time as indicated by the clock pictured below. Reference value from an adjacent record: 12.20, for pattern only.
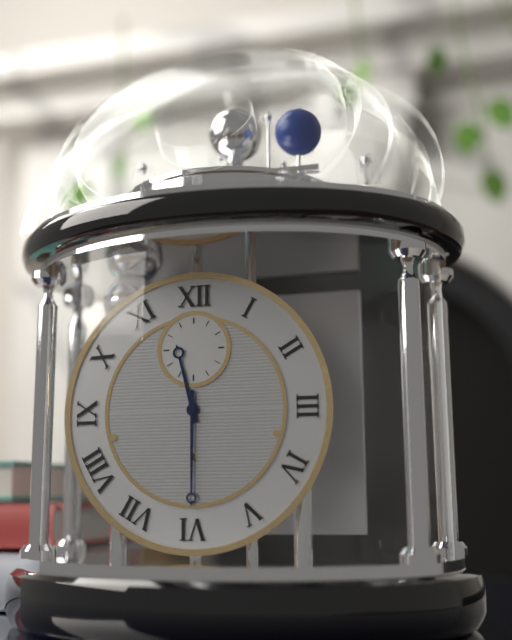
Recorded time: 11.30
